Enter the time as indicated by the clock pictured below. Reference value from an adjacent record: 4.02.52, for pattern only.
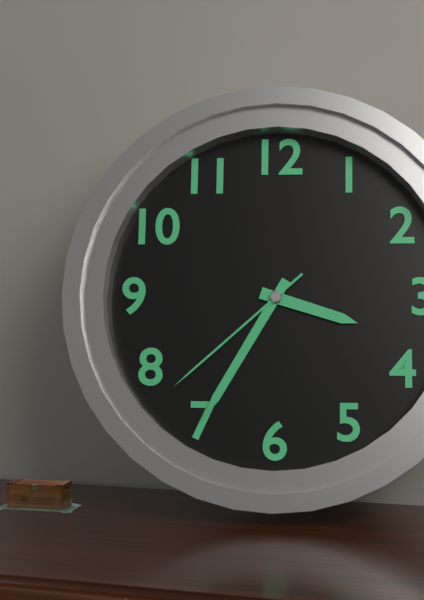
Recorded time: 3.35.38
